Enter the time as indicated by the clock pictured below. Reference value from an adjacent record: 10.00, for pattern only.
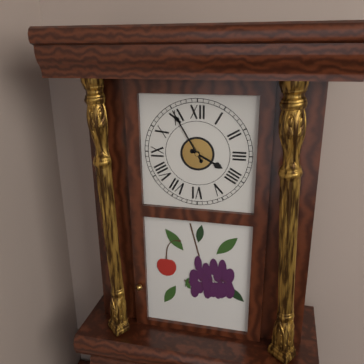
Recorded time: 3.55
